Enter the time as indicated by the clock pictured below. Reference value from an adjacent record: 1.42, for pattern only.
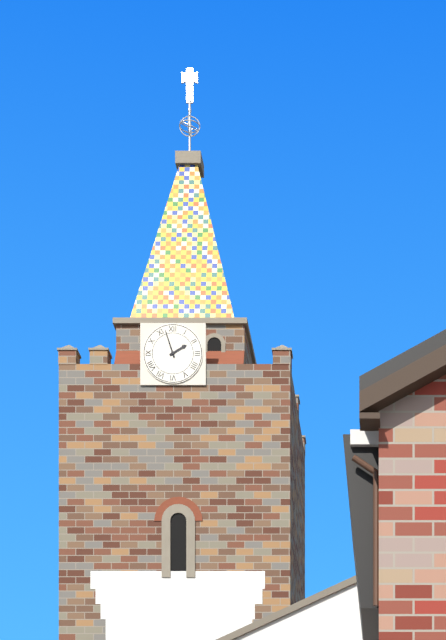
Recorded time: 1.57
